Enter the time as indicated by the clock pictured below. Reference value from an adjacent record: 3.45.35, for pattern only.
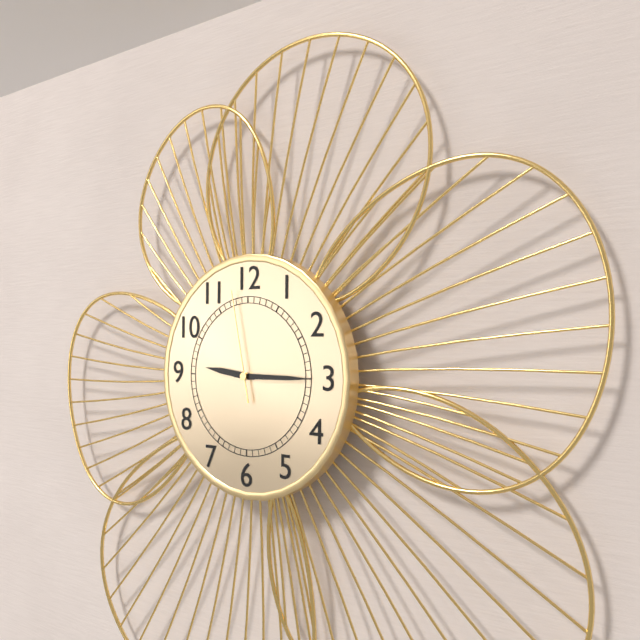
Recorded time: 9.15.58
